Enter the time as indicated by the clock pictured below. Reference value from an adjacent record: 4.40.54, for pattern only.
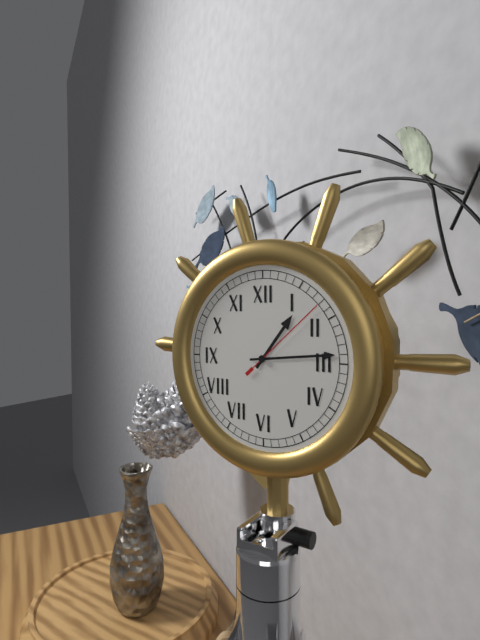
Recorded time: 1.14.08
